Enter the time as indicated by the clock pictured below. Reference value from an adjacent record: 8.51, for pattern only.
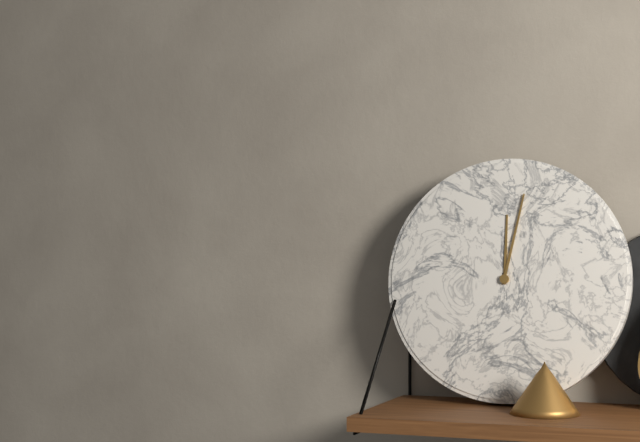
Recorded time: 12.02
